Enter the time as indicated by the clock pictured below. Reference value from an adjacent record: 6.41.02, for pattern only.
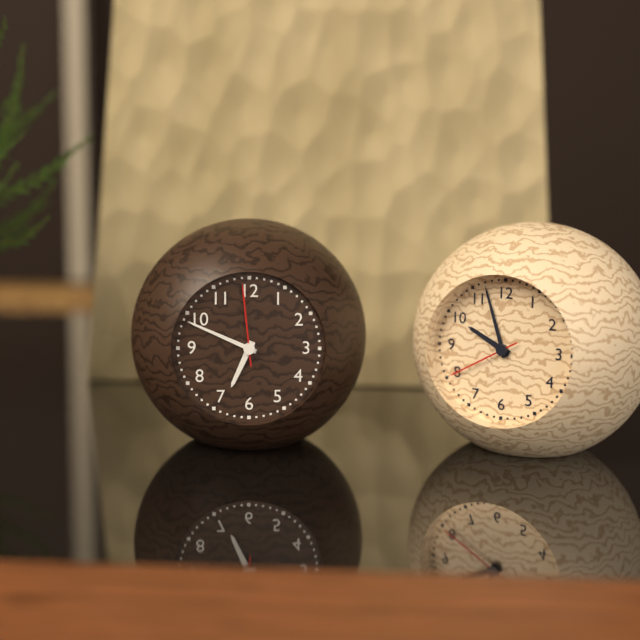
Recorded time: 6.49.59
